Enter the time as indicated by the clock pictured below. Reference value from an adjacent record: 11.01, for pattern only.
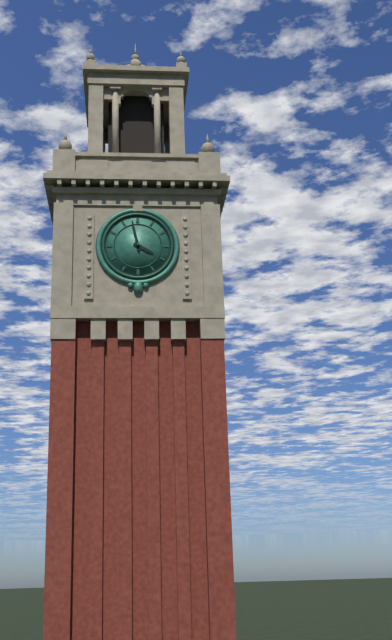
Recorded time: 3.58
